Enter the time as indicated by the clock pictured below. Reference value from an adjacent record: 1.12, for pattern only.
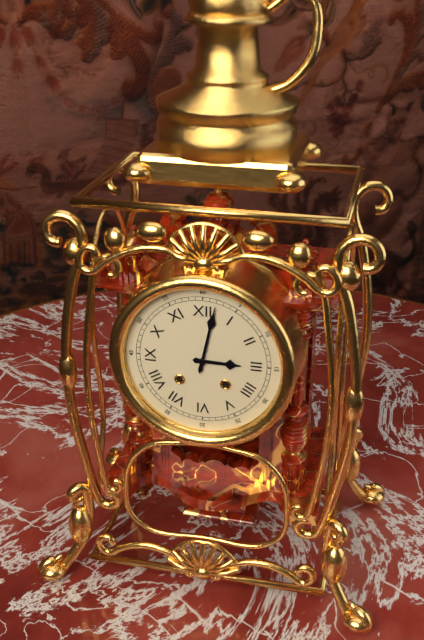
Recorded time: 3.02
